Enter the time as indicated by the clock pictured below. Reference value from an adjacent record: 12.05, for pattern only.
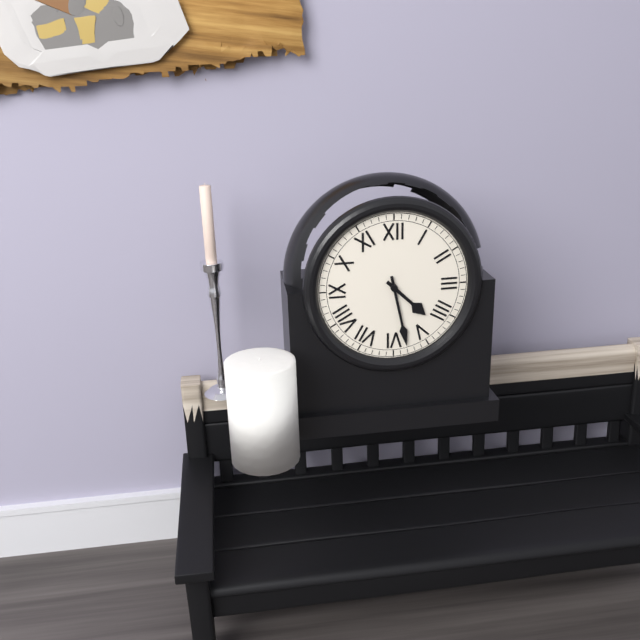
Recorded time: 4.28
